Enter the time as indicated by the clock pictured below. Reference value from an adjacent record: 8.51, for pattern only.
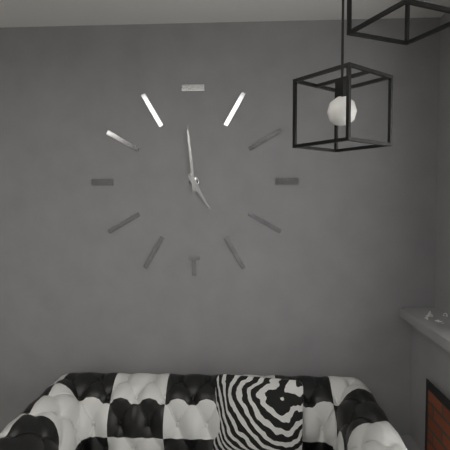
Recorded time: 4.59
